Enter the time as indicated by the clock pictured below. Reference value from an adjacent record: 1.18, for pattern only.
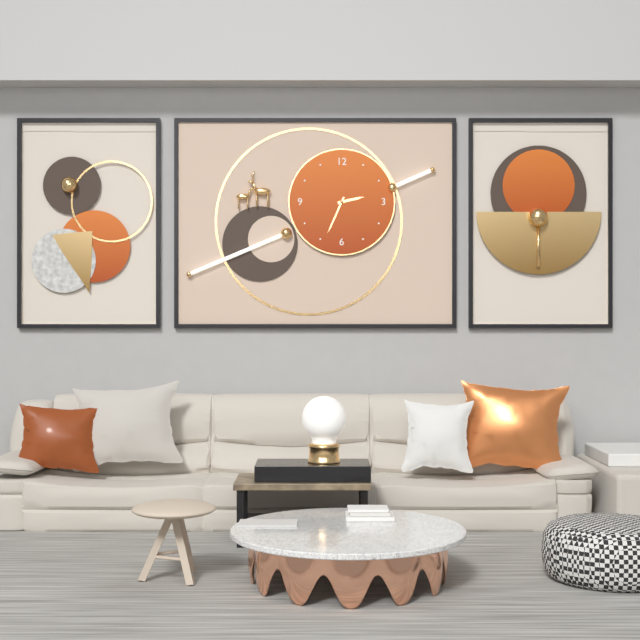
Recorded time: 2.34
